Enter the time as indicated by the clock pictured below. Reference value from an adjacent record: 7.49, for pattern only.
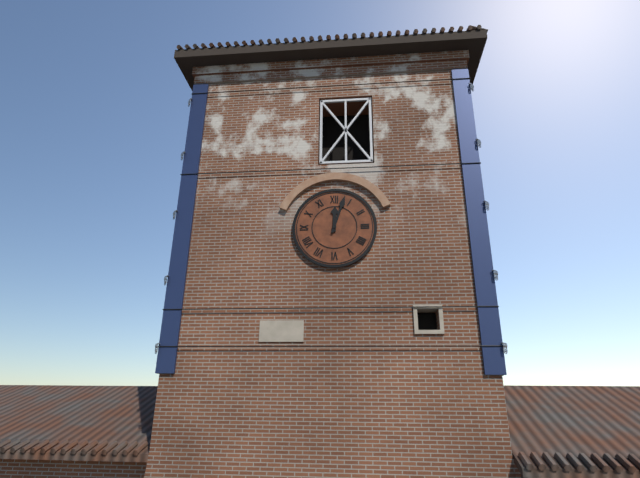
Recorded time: 12.03
